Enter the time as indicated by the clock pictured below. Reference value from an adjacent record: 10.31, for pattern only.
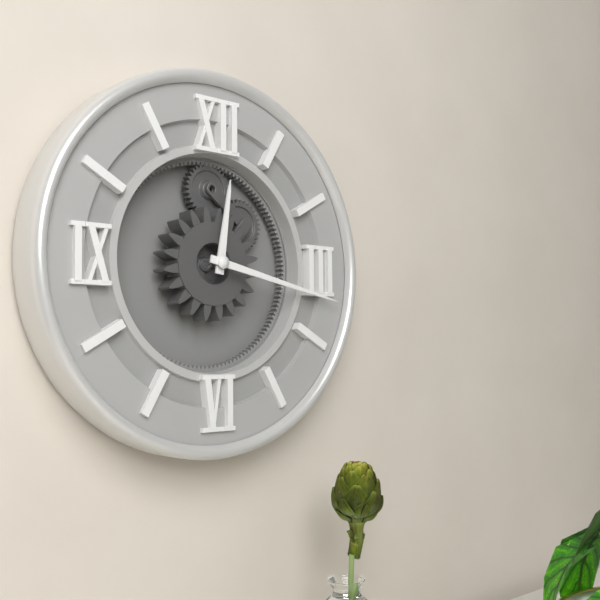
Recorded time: 12.17
